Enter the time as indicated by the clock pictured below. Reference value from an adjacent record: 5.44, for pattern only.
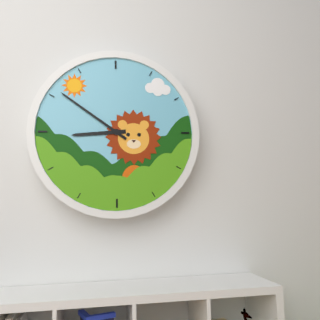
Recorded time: 8.51
